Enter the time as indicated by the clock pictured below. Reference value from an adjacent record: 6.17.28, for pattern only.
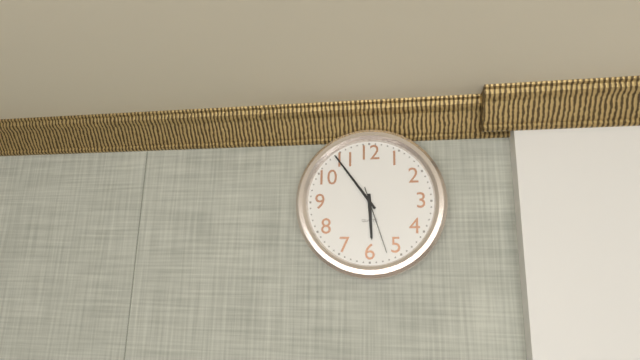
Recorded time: 5.54.27
